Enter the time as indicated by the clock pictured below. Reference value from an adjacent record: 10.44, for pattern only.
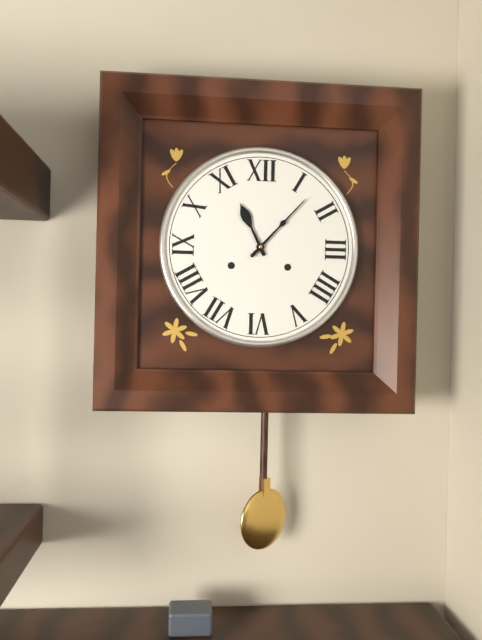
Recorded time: 11.07
